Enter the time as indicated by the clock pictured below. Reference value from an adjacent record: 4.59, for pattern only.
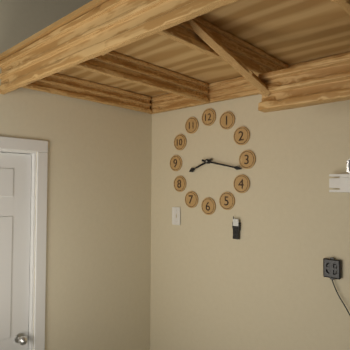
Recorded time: 8.17
